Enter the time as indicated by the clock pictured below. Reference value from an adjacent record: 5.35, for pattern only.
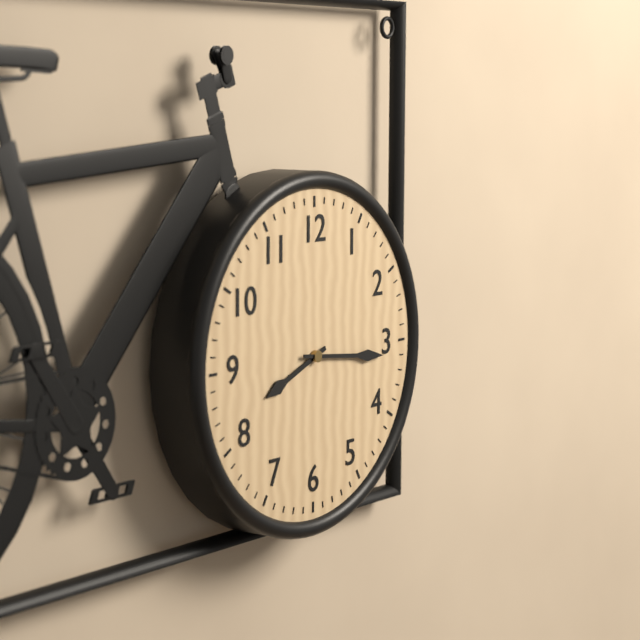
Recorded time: 8.16
